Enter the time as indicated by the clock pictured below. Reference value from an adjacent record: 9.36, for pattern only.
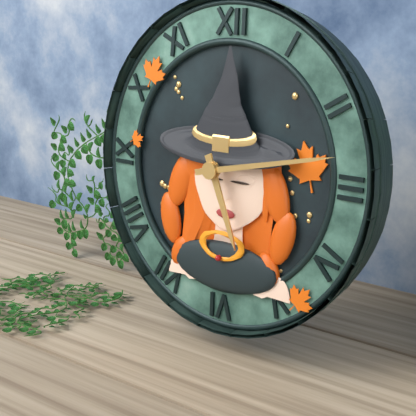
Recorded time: 5.13
